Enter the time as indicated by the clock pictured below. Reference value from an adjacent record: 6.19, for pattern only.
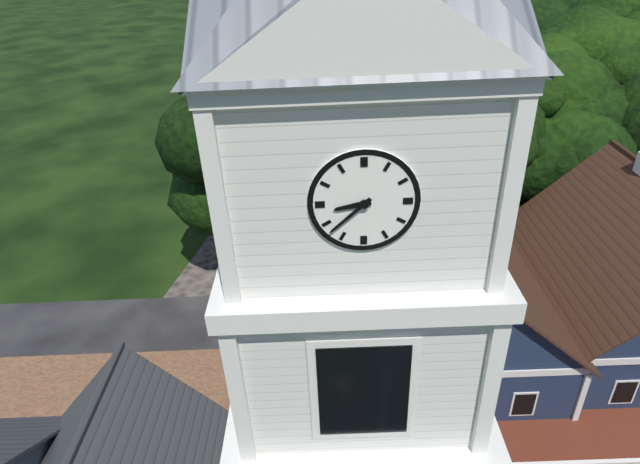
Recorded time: 8.38
